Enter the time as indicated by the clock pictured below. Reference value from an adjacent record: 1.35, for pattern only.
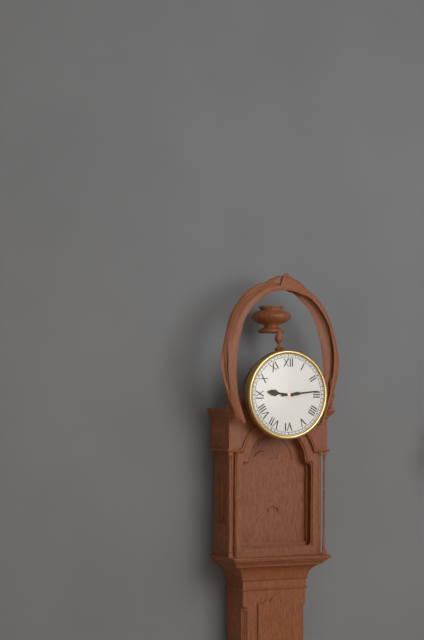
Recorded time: 9.14
